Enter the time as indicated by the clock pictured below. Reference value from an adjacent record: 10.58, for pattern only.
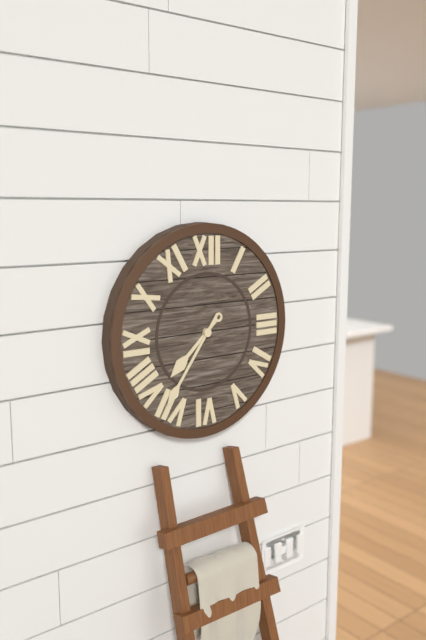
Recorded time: 7.36
